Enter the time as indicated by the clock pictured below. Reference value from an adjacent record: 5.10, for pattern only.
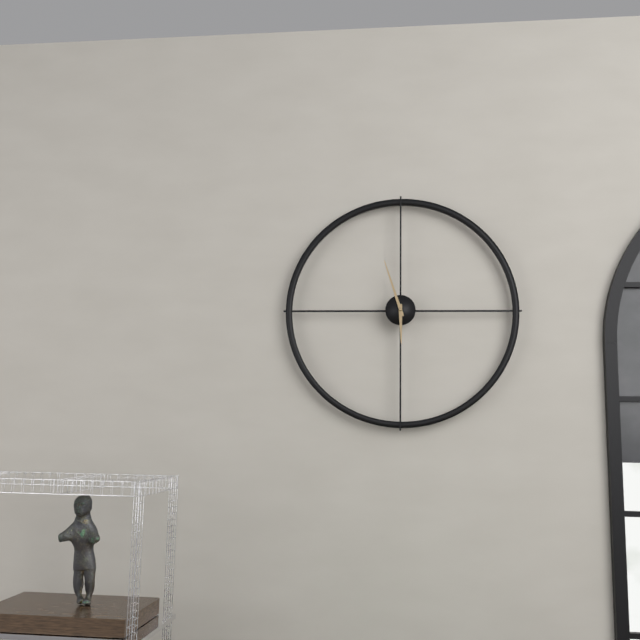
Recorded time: 5.57
